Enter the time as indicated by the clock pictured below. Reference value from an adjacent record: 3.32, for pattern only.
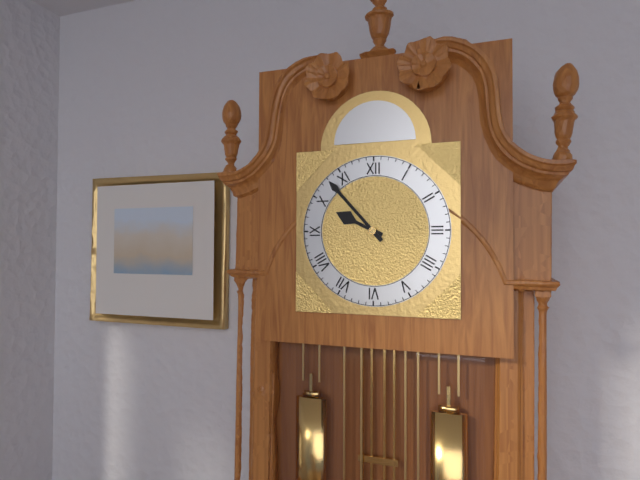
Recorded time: 9.53
